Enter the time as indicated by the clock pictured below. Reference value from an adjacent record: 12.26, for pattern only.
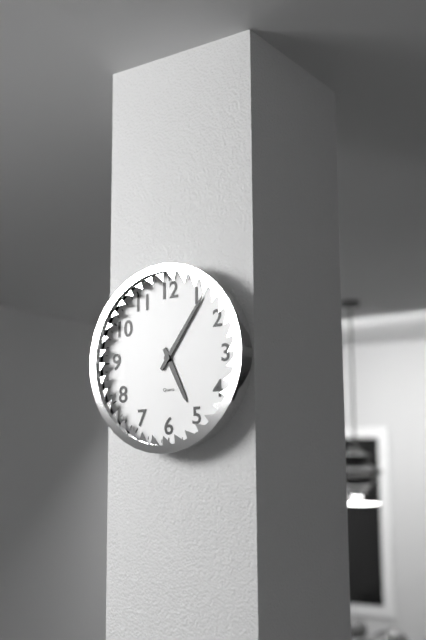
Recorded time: 5.06
